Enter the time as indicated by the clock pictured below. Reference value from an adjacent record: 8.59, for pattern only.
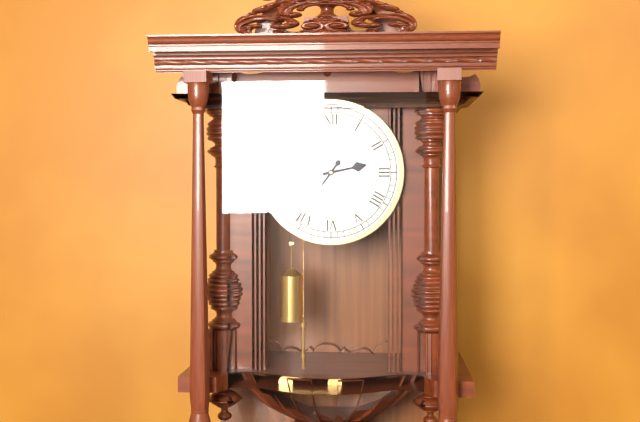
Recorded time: 2.36
